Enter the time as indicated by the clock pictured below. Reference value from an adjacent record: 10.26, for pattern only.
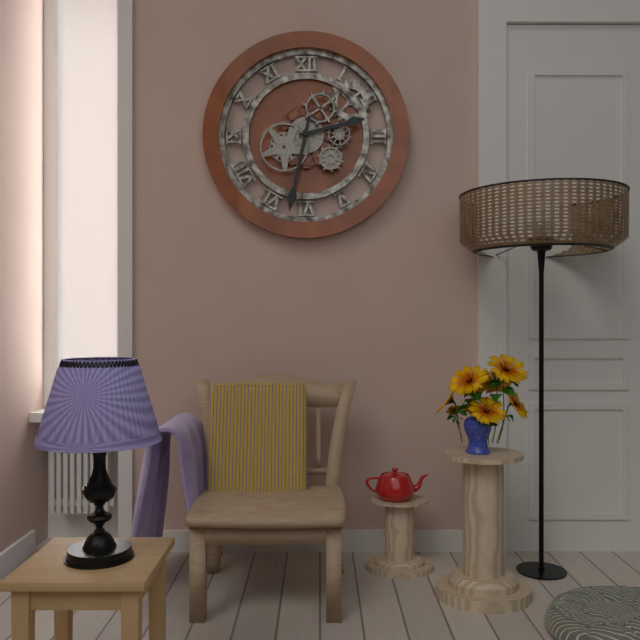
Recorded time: 2.32
